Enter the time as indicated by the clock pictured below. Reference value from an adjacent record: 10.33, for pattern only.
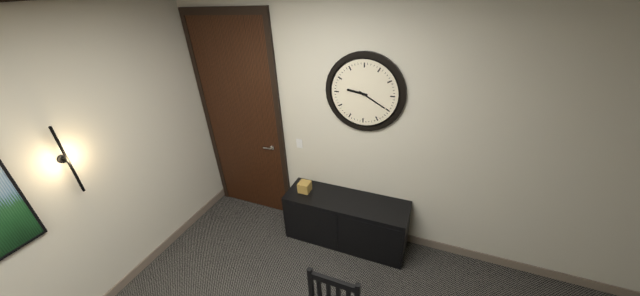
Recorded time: 9.20
